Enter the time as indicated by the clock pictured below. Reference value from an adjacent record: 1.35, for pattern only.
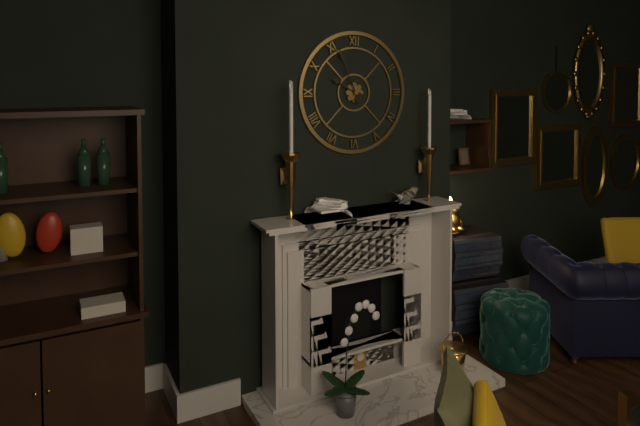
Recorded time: 9.56
